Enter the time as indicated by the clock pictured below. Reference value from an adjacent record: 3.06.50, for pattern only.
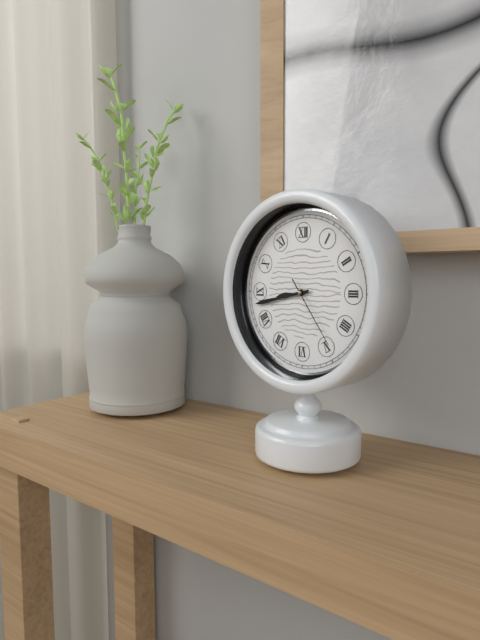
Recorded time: 8.43.24
